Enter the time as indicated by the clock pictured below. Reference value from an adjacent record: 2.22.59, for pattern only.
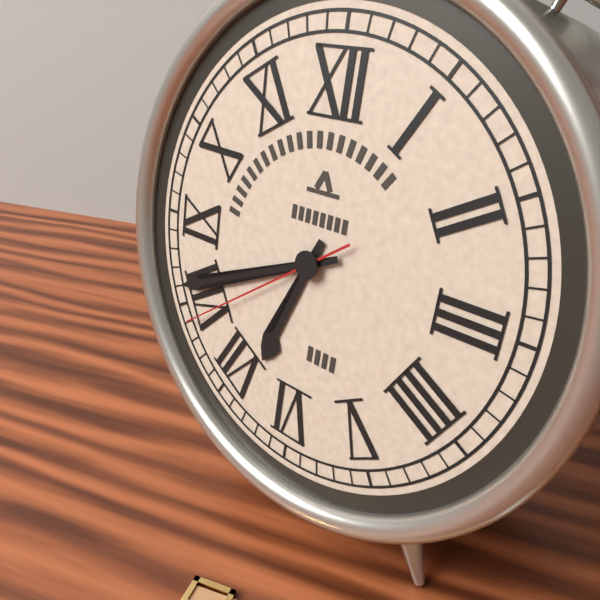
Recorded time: 6.41.39
